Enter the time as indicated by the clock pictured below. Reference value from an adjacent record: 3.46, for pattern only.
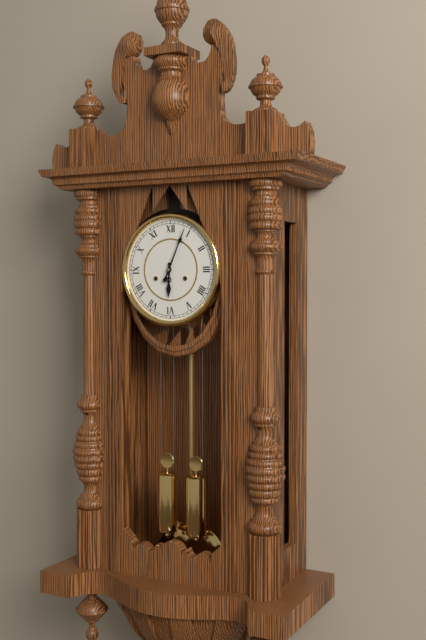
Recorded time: 6.04
